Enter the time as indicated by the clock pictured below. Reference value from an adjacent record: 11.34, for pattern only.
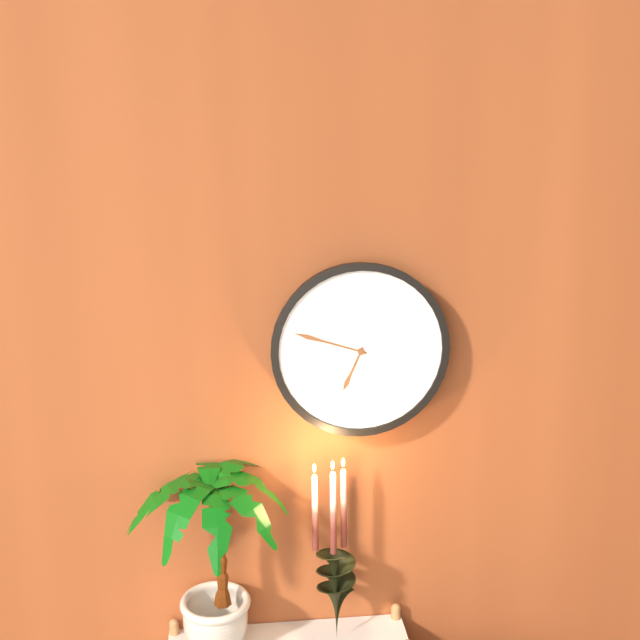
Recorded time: 6.48
